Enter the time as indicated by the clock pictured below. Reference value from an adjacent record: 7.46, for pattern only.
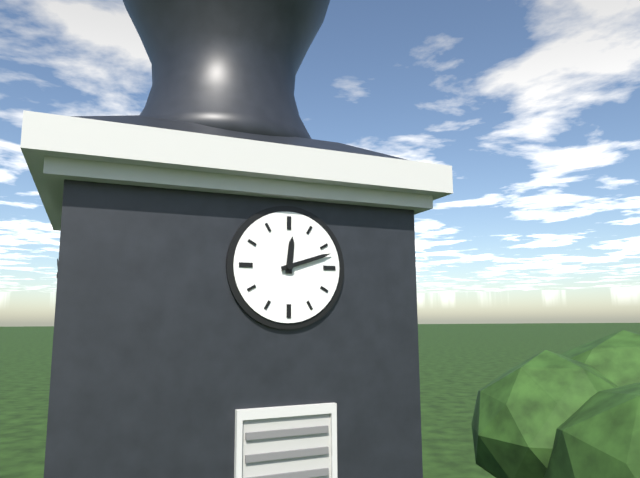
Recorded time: 12.12
